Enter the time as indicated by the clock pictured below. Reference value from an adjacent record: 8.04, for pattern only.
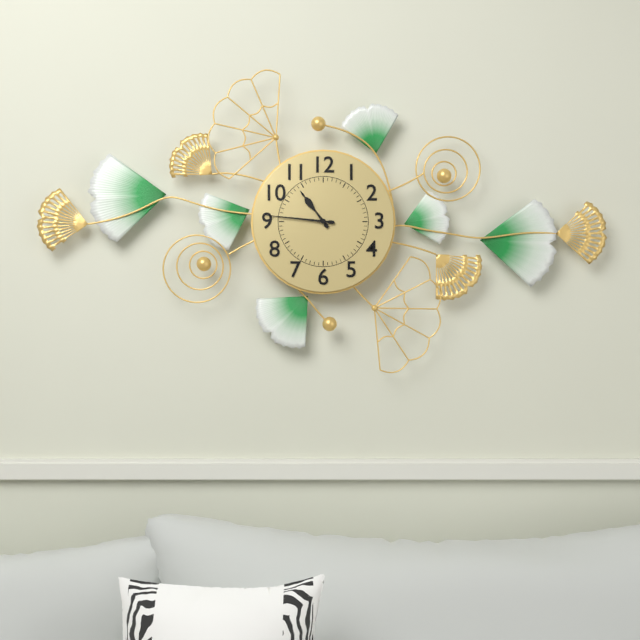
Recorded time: 10.46
